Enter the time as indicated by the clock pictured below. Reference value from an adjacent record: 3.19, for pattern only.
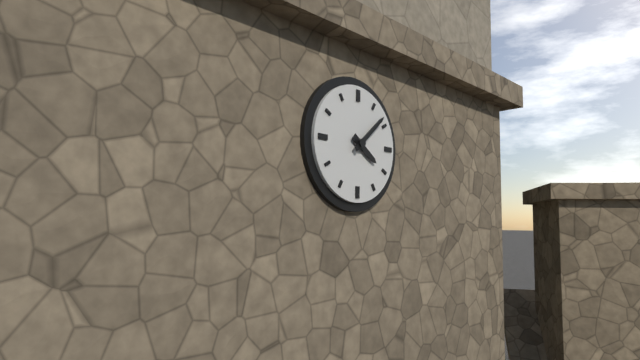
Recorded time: 4.08
